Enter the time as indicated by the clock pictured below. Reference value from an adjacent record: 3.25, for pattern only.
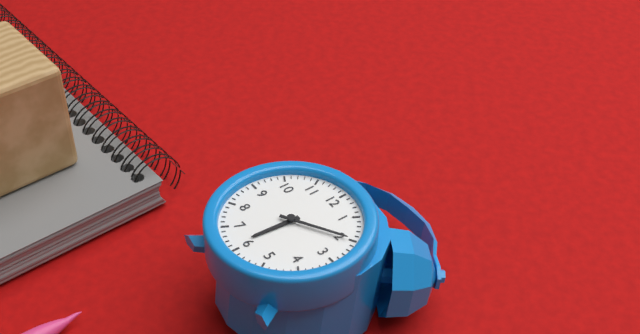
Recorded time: 6.10
